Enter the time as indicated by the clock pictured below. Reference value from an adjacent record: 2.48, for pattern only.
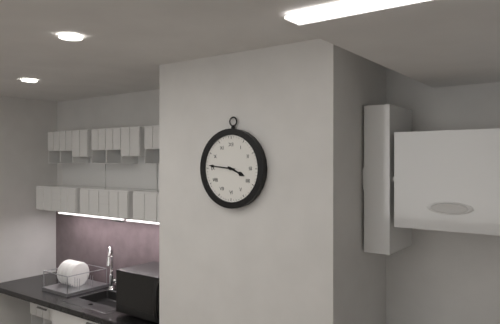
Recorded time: 3.46
